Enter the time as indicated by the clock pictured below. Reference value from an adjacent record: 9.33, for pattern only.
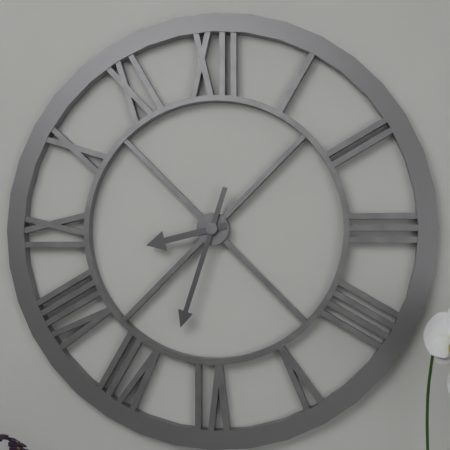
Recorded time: 8.33
